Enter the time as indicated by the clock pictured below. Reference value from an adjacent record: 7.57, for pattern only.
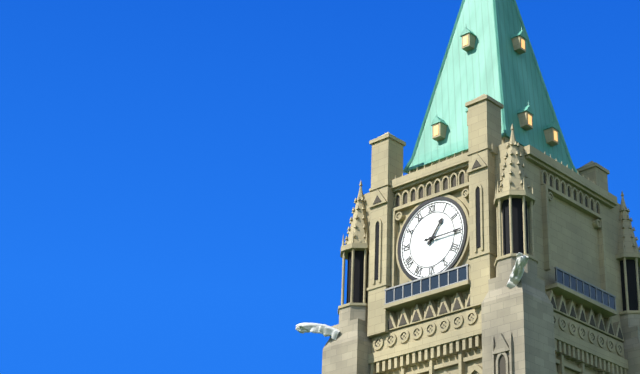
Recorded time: 1.15
